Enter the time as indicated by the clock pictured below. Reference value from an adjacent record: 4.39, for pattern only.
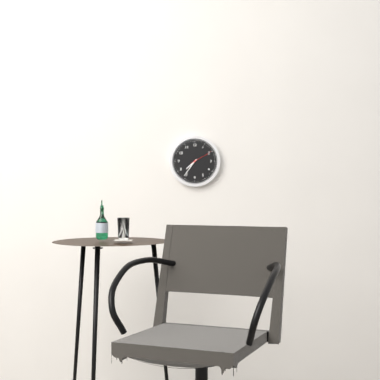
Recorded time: 7.36
